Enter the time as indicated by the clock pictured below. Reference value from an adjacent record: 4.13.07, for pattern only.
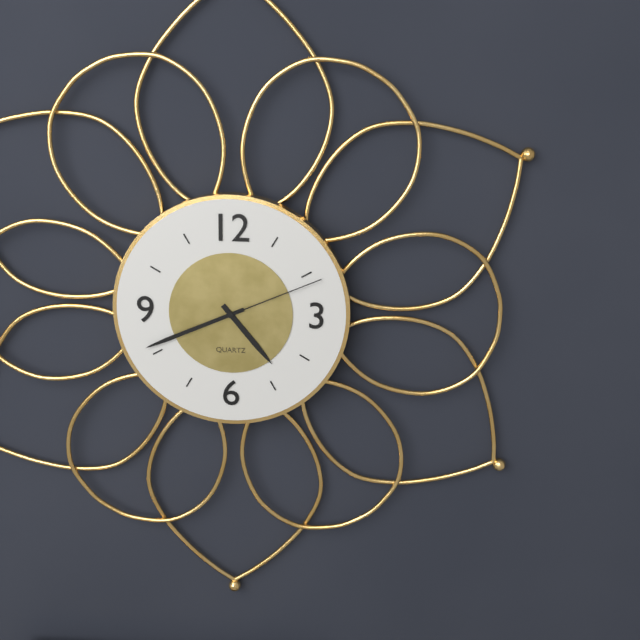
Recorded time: 4.41.11
